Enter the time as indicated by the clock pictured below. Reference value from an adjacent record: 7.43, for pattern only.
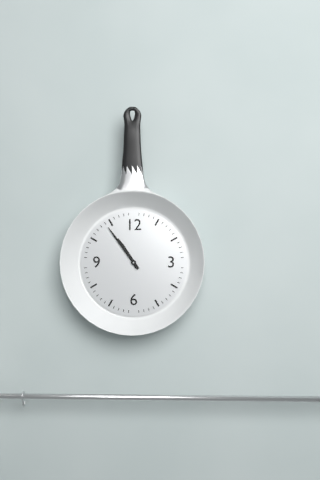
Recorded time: 10.54
